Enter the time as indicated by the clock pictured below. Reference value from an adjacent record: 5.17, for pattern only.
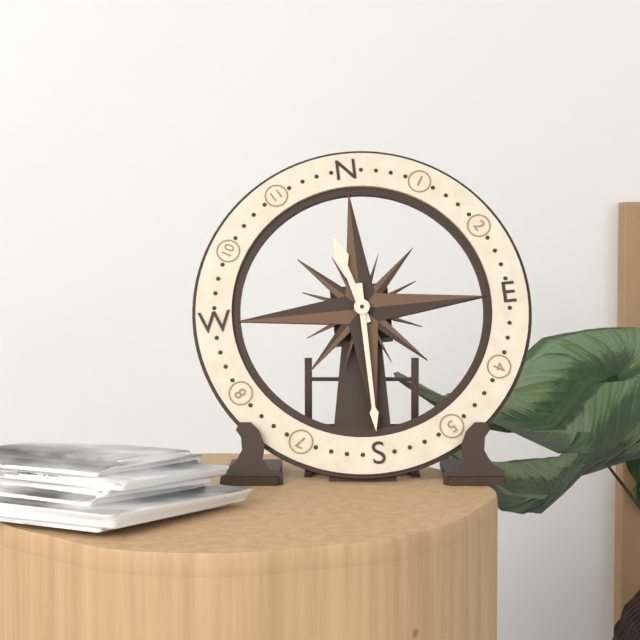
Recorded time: 11.30
